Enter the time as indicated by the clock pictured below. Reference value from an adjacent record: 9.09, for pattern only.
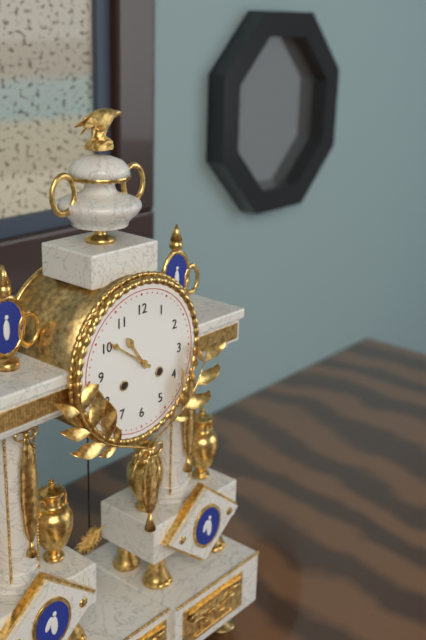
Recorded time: 10.51
